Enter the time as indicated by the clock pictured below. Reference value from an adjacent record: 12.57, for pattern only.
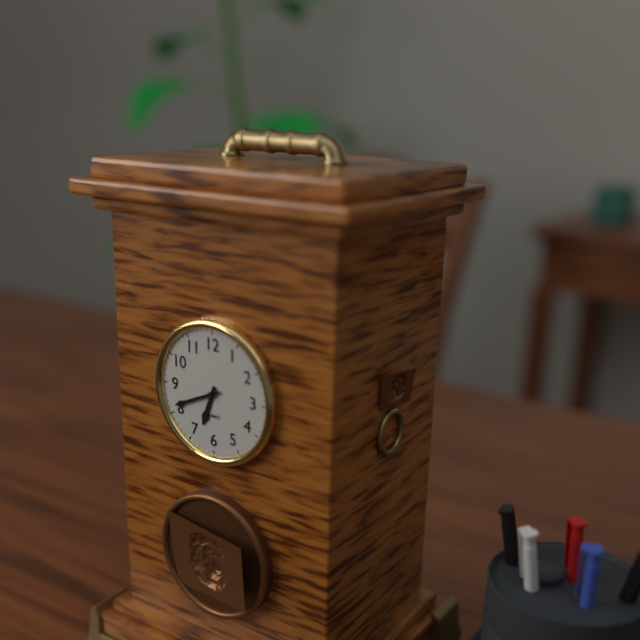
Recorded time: 6.41
